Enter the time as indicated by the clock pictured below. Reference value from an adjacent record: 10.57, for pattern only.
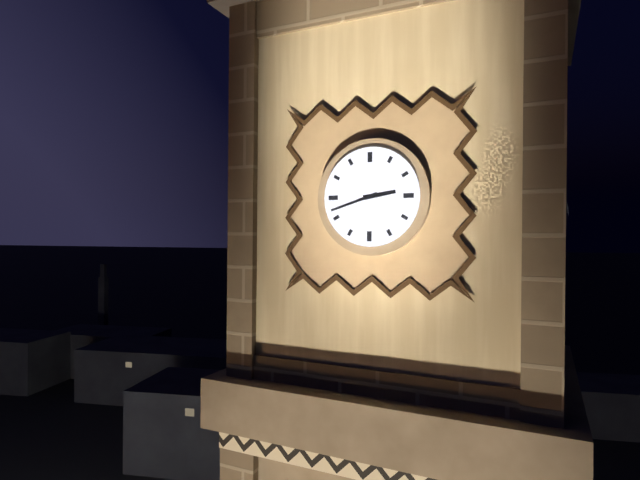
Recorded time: 2.42
